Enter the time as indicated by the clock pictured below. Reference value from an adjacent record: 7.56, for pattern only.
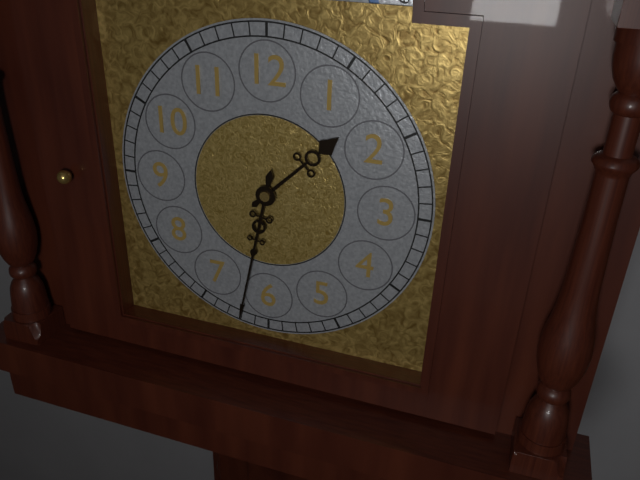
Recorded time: 1.32
